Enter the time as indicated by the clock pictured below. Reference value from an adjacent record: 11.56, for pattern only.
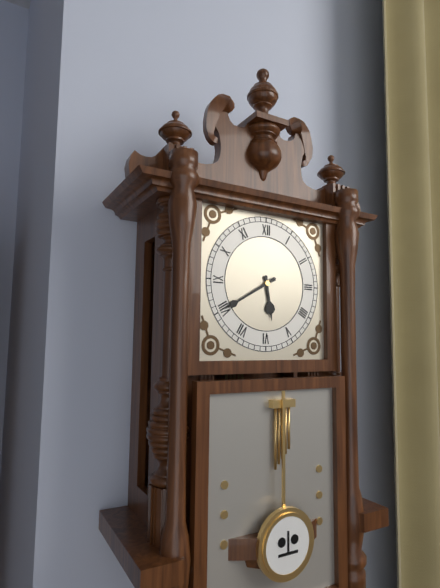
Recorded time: 5.40
